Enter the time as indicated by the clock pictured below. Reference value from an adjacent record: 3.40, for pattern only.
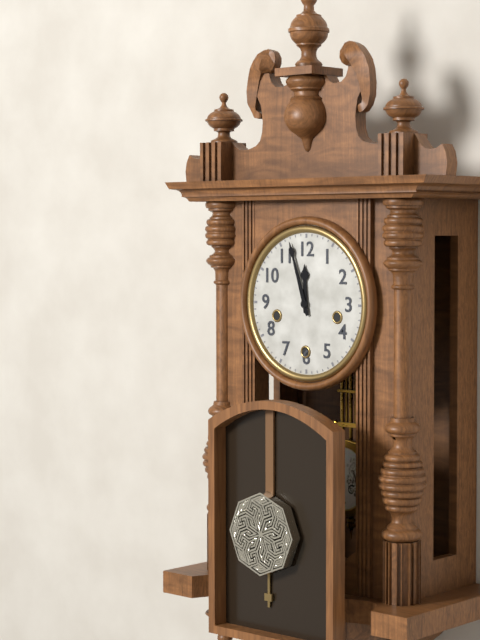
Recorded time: 11.57
